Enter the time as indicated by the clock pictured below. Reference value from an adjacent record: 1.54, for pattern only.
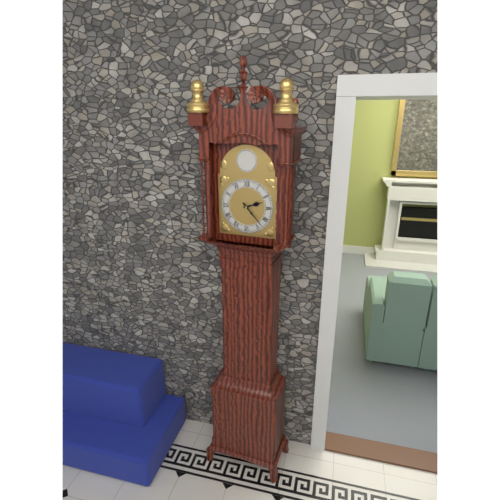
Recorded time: 2.23
